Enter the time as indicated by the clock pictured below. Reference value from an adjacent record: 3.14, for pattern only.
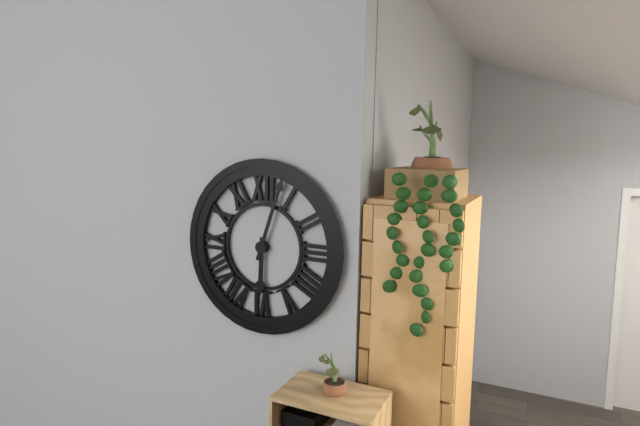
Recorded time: 6.03
